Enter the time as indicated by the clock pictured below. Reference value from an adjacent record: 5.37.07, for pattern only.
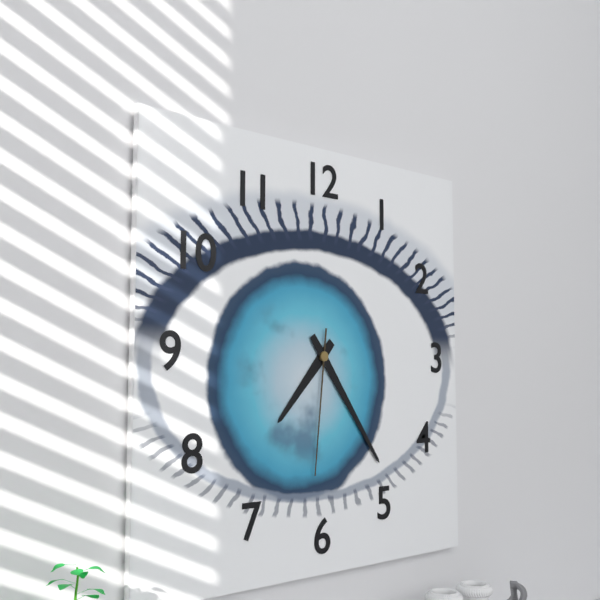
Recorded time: 7.24.31
